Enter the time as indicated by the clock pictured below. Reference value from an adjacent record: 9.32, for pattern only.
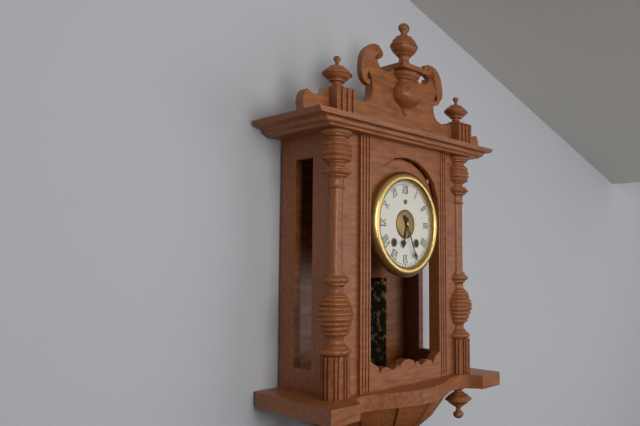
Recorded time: 6.26
